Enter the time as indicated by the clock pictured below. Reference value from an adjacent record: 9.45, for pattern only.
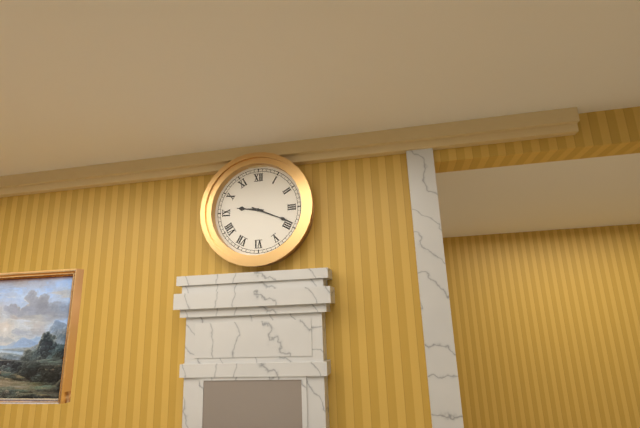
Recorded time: 9.19
